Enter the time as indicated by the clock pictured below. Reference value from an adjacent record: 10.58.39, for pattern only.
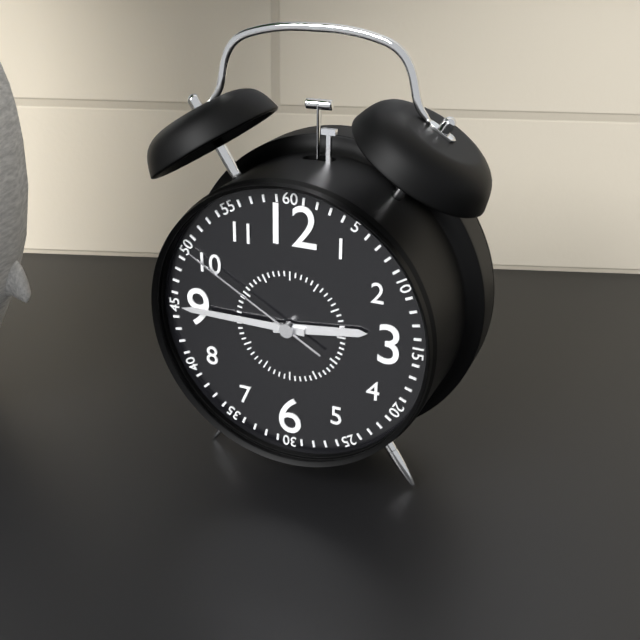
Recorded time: 2.45.50
